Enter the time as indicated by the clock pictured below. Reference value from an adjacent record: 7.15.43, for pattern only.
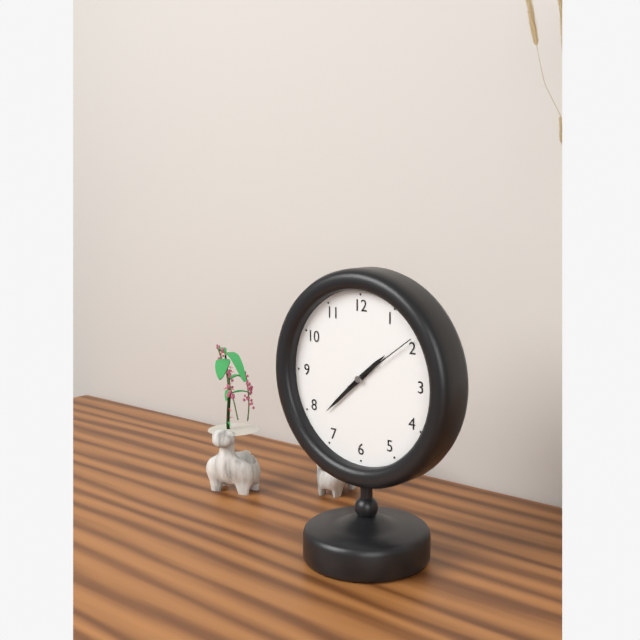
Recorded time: 1.38.09
